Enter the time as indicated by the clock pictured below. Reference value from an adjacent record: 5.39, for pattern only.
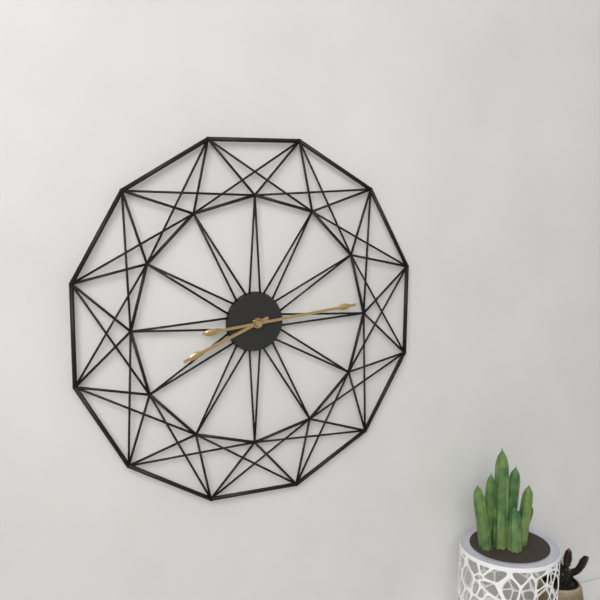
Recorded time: 8.14
